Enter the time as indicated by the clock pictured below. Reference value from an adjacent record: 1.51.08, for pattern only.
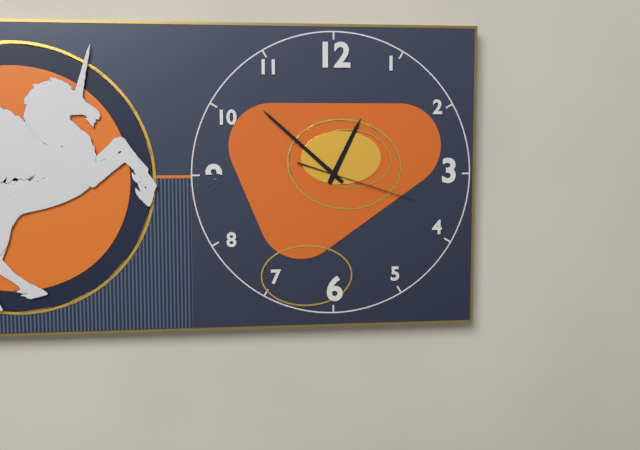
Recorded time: 12.52.18
